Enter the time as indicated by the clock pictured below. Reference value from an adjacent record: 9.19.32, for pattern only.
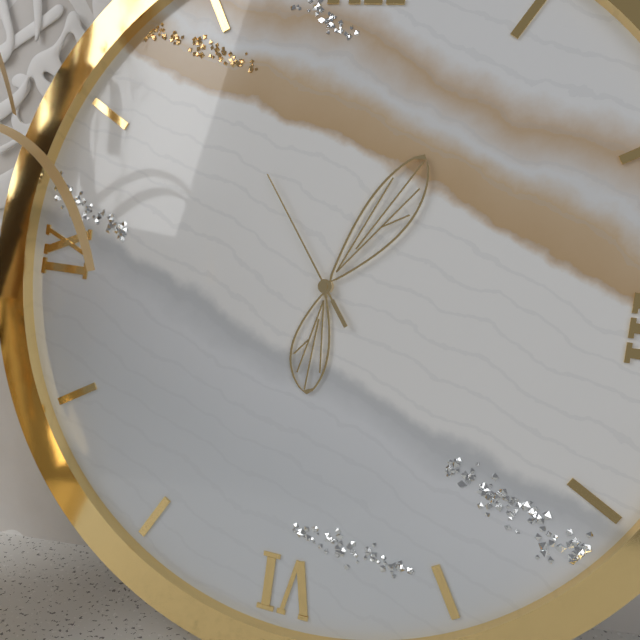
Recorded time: 6.05.54
